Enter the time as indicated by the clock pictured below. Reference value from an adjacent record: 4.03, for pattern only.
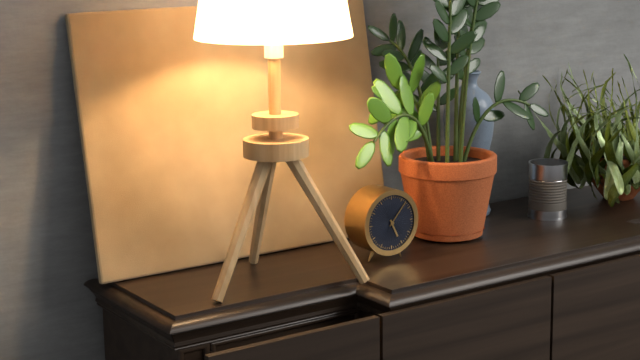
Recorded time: 5.07
